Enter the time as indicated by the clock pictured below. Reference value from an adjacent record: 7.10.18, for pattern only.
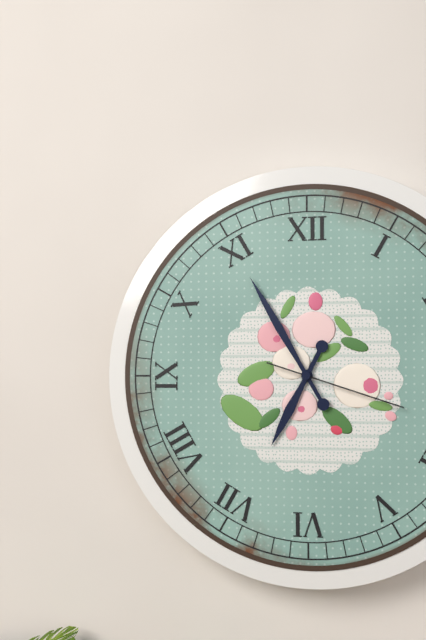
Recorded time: 6.55.18
